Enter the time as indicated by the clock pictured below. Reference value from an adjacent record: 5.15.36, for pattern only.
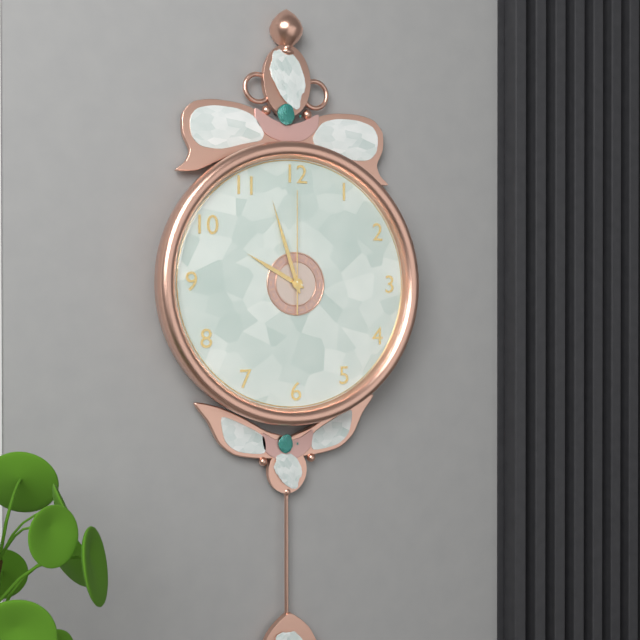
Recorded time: 9.57.00
